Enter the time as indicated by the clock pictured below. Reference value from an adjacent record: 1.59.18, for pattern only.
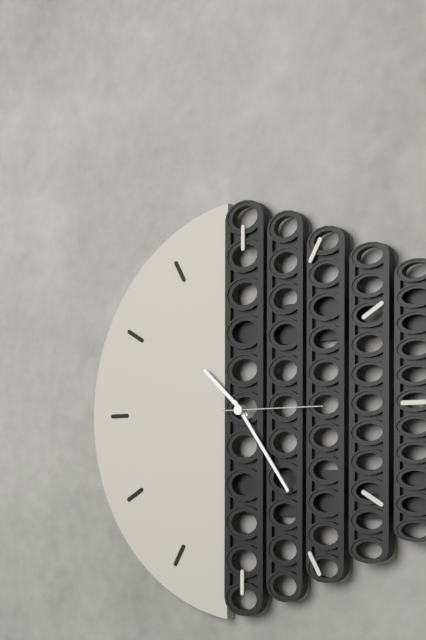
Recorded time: 10.24.15
